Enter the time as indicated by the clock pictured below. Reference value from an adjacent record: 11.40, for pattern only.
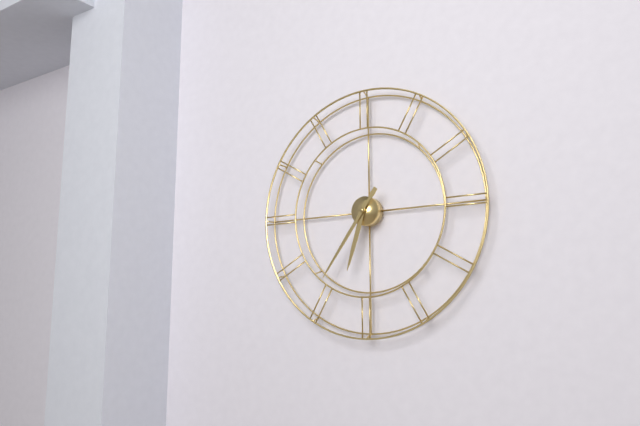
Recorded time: 6.36
